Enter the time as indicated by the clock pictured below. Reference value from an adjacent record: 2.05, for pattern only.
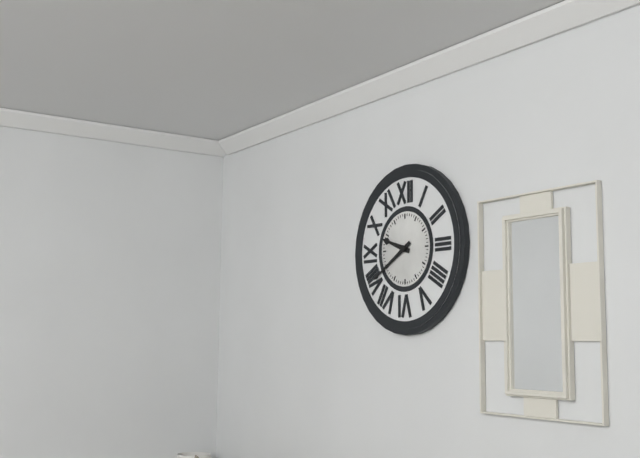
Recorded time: 9.40
